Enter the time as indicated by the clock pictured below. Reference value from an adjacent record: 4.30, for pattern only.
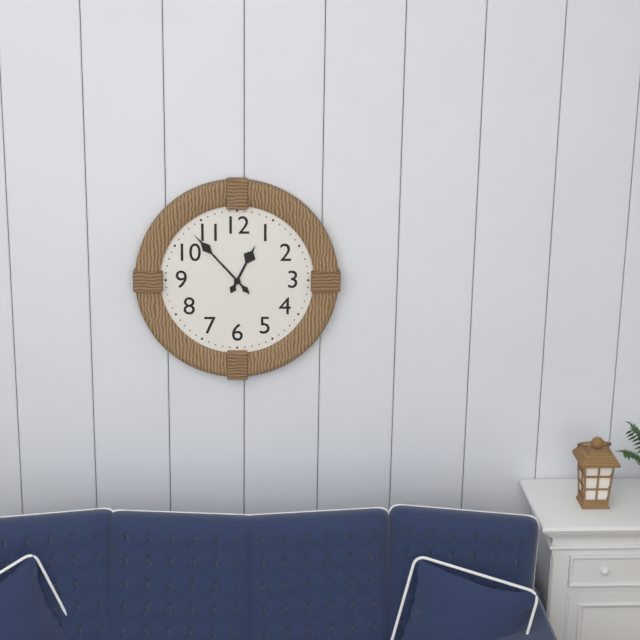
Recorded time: 12.53
